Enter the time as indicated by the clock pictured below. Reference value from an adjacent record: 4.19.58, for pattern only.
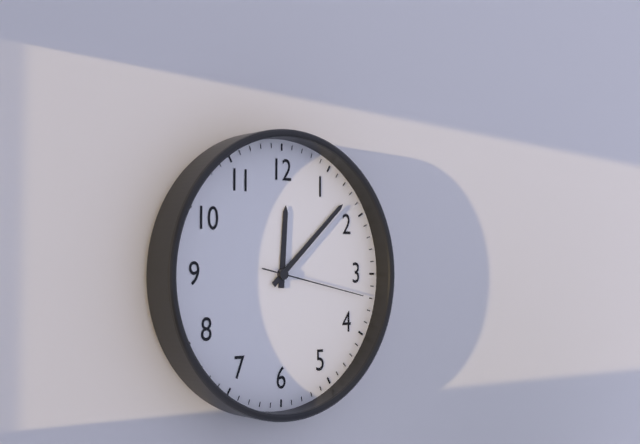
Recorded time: 12.08.17
